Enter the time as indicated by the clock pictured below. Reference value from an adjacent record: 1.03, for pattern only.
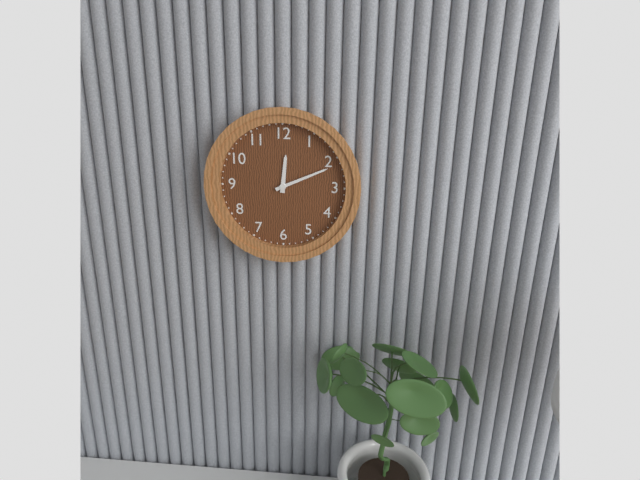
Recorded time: 12.11
